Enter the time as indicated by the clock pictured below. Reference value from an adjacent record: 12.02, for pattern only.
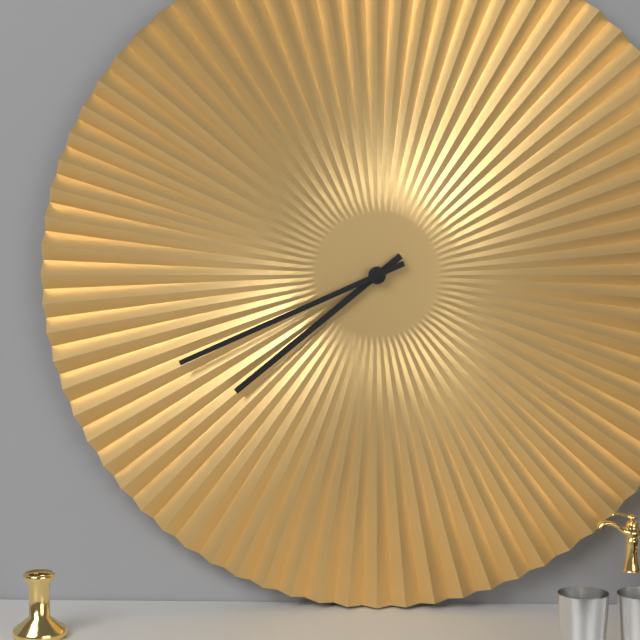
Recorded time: 7.41
